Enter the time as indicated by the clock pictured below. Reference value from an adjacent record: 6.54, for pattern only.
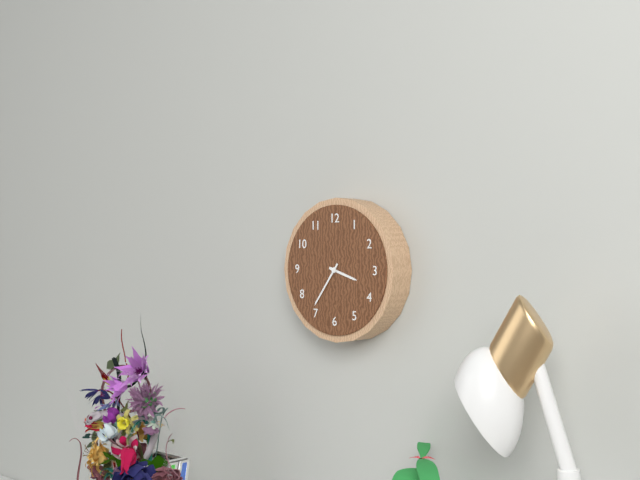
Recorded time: 3.36
